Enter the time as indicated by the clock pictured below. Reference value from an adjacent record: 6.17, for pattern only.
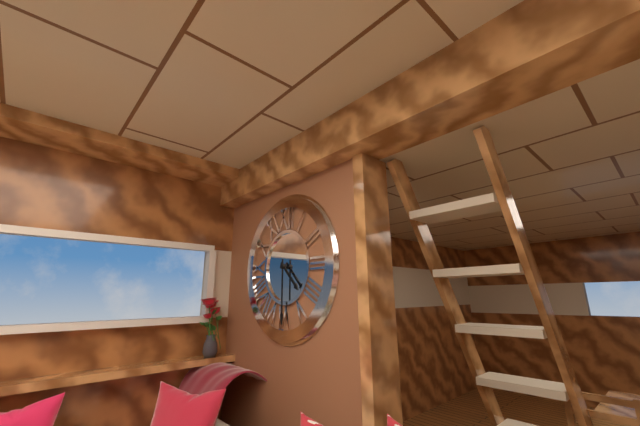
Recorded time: 4.30
